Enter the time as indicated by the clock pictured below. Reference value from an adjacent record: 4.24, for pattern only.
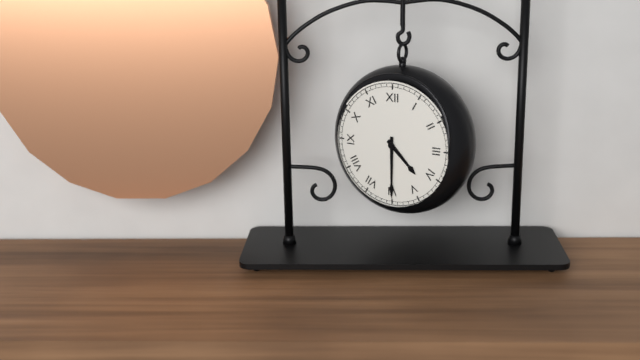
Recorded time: 4.30
